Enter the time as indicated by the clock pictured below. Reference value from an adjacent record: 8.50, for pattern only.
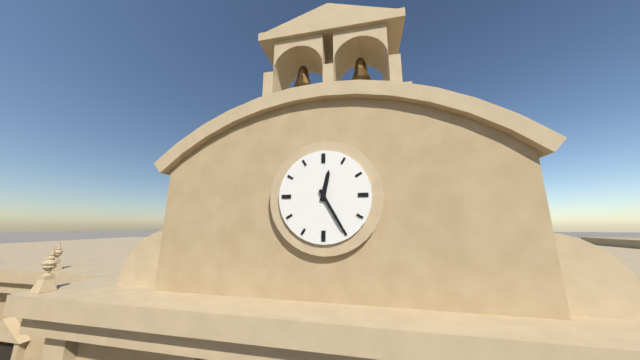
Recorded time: 12.25
